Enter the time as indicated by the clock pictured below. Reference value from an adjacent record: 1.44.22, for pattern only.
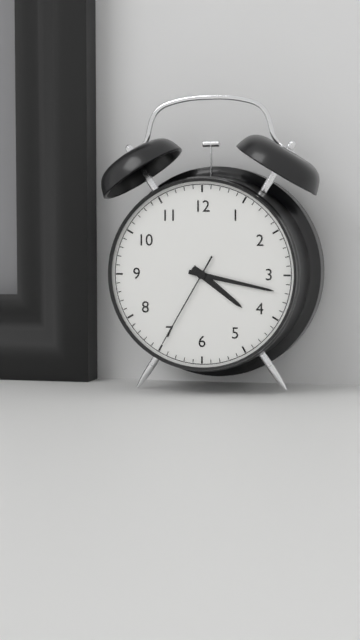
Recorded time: 4.17.35
